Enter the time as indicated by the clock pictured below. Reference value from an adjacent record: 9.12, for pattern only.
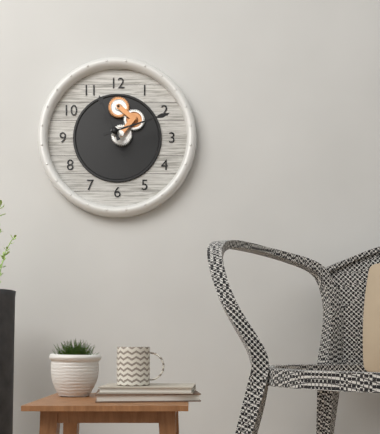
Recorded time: 11.12
